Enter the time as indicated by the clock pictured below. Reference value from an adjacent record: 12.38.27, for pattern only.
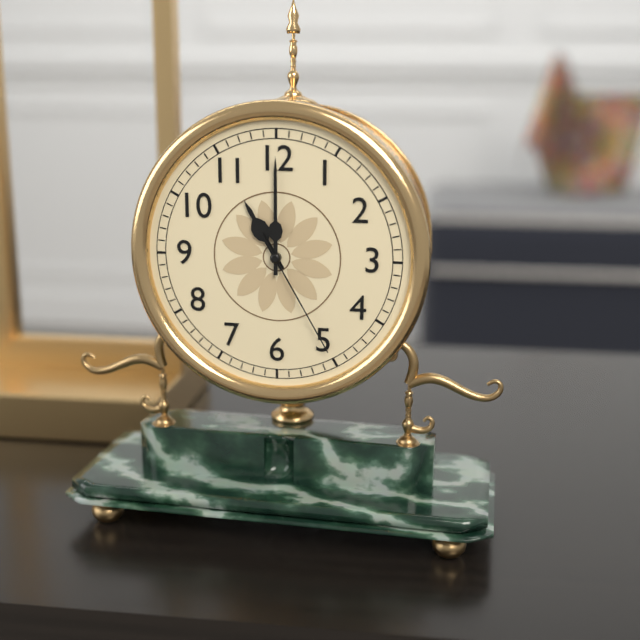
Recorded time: 11.00.25
